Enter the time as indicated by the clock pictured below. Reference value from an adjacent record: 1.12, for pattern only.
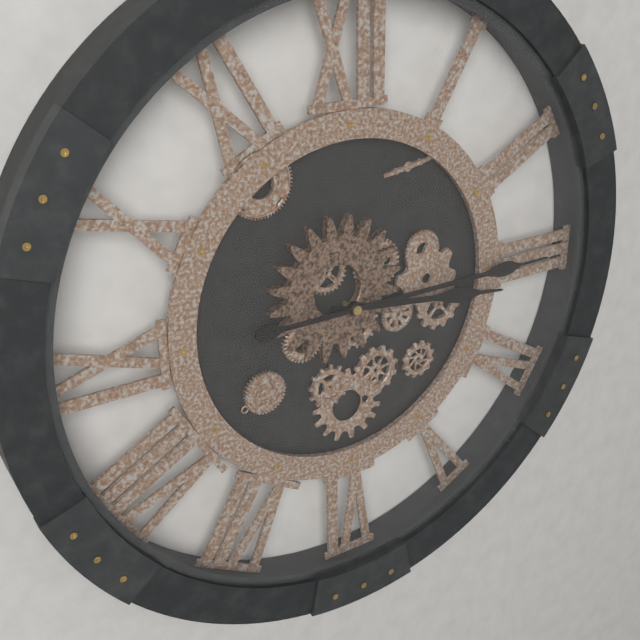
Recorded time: 3.15
